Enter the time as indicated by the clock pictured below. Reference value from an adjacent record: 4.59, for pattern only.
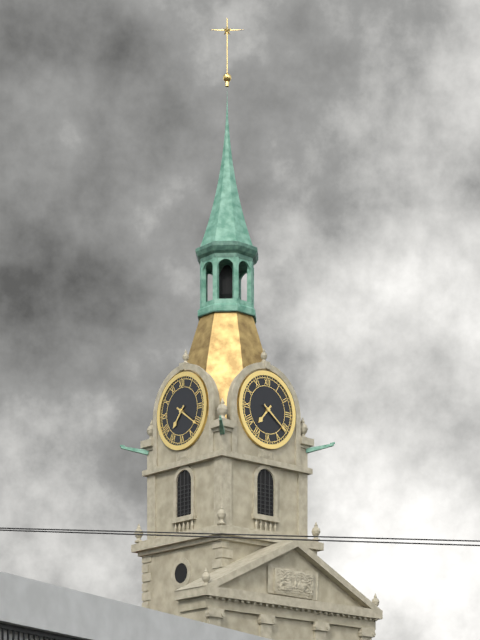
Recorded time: 7.21
